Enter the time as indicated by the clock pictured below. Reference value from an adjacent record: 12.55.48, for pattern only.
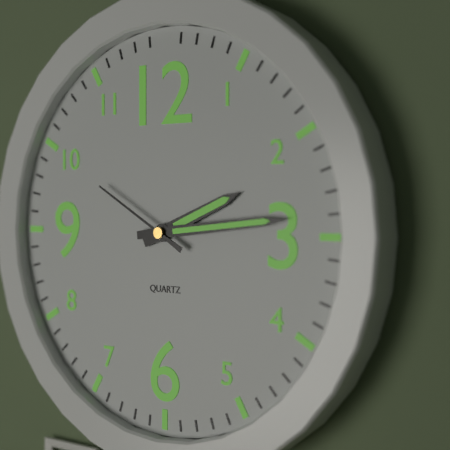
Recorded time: 2.14.50
